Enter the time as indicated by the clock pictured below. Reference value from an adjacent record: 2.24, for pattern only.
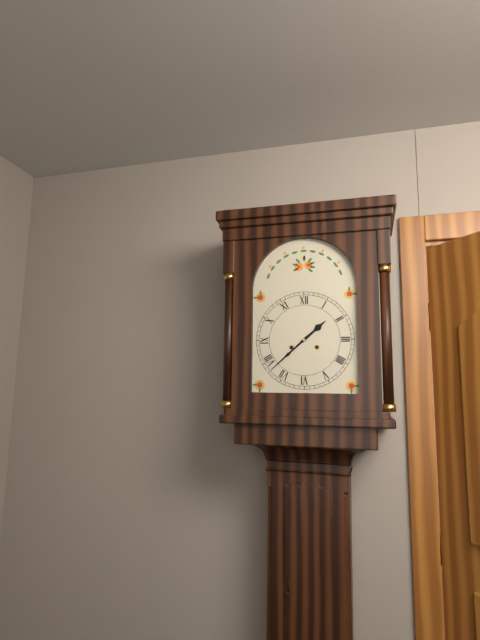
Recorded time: 1.38
